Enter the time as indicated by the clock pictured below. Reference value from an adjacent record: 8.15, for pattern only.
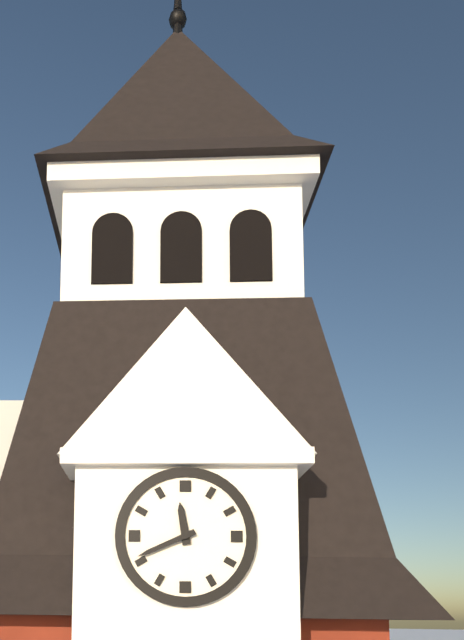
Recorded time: 11.41
